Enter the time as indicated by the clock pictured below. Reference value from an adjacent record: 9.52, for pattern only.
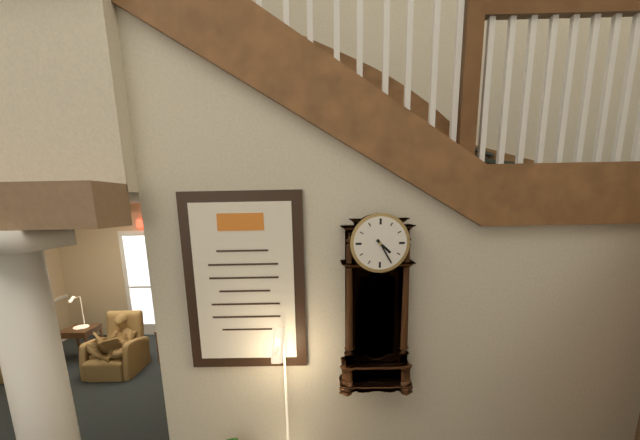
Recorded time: 4.25
